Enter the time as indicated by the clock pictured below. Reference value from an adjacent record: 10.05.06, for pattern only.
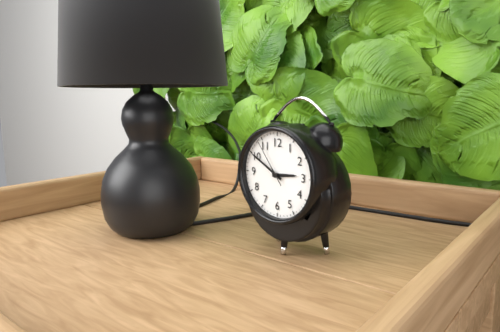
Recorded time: 2.50.54
